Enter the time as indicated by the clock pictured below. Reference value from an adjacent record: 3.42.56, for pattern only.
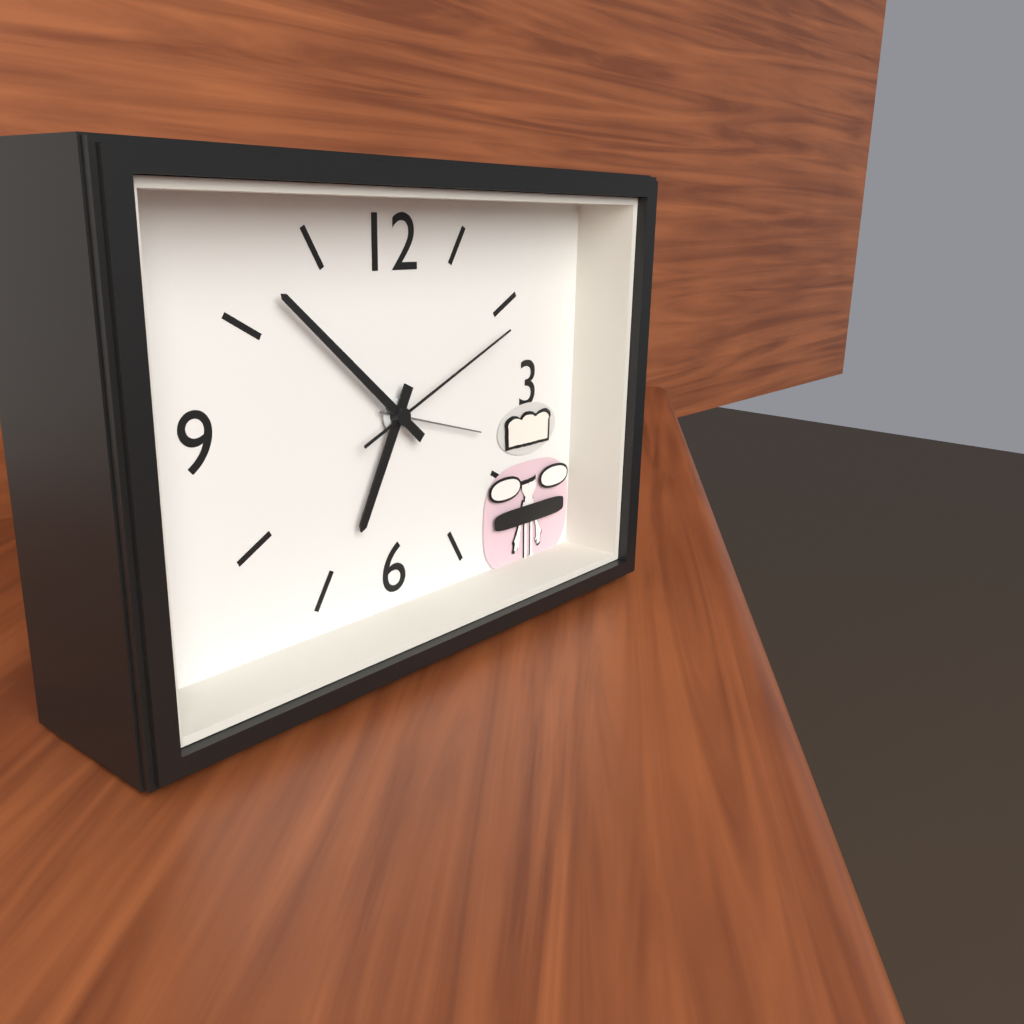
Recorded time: 6.52.11
